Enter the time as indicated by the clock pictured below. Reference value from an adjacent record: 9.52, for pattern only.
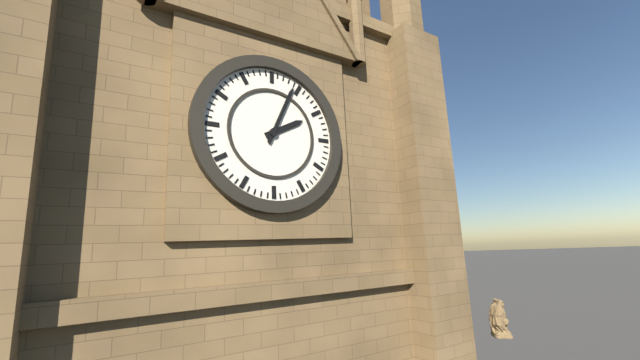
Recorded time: 2.04
